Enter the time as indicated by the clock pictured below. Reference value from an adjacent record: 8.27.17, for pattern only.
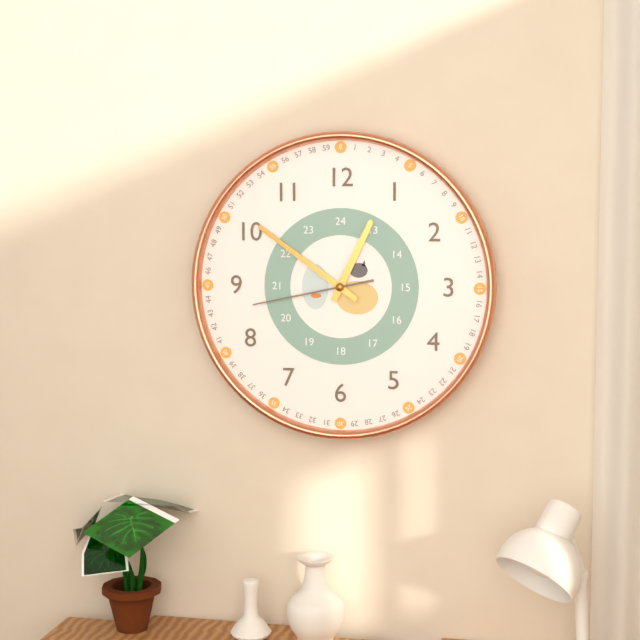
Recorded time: 12.51.43
